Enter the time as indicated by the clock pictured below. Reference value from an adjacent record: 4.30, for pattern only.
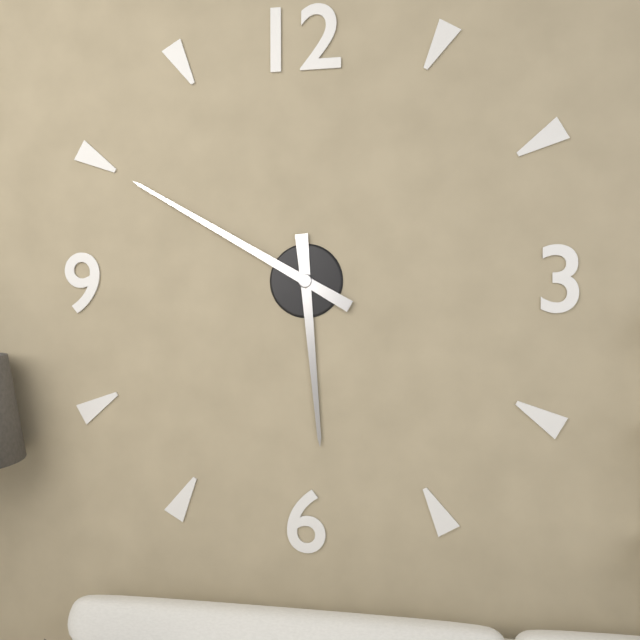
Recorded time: 5.50
